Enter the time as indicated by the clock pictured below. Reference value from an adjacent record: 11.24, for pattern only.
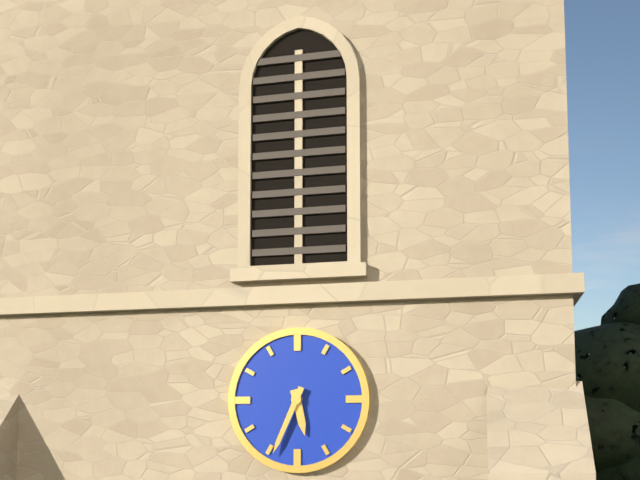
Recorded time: 5.34
